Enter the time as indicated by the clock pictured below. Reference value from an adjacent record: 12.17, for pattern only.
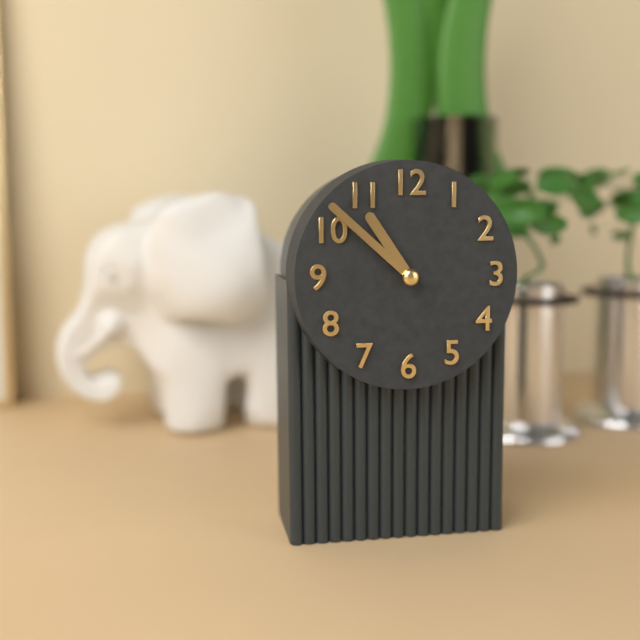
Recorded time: 10.52
